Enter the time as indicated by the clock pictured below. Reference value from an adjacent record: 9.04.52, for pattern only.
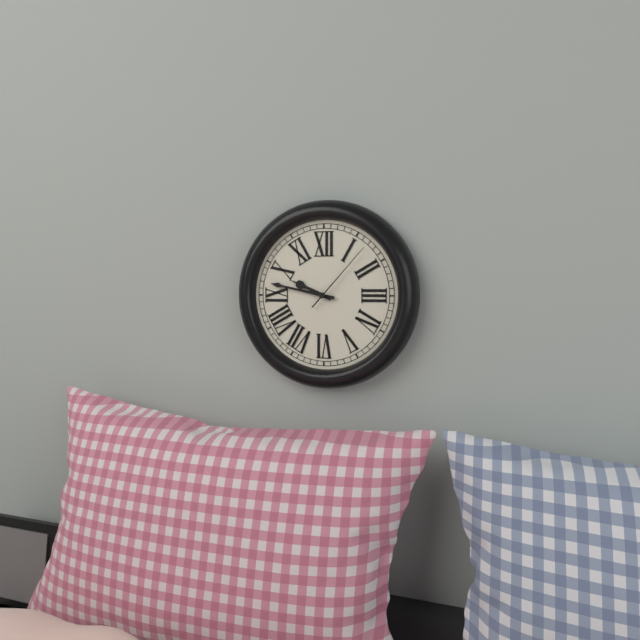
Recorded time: 9.47.07
